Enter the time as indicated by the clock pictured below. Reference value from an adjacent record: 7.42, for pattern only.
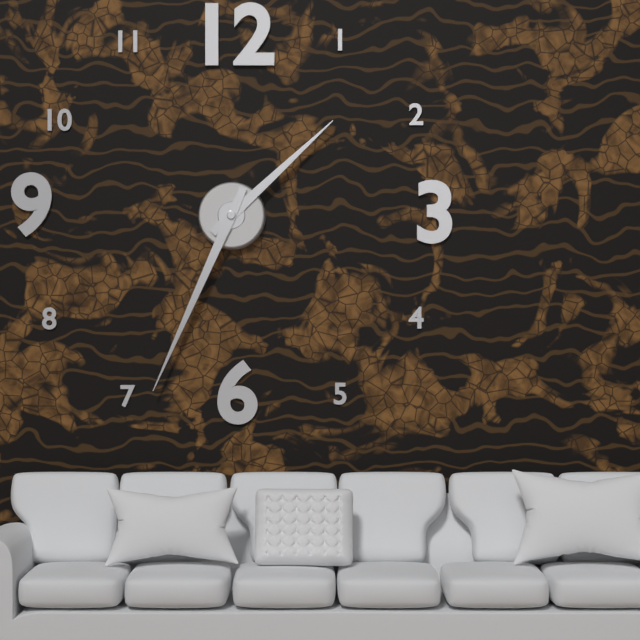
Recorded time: 1.34
